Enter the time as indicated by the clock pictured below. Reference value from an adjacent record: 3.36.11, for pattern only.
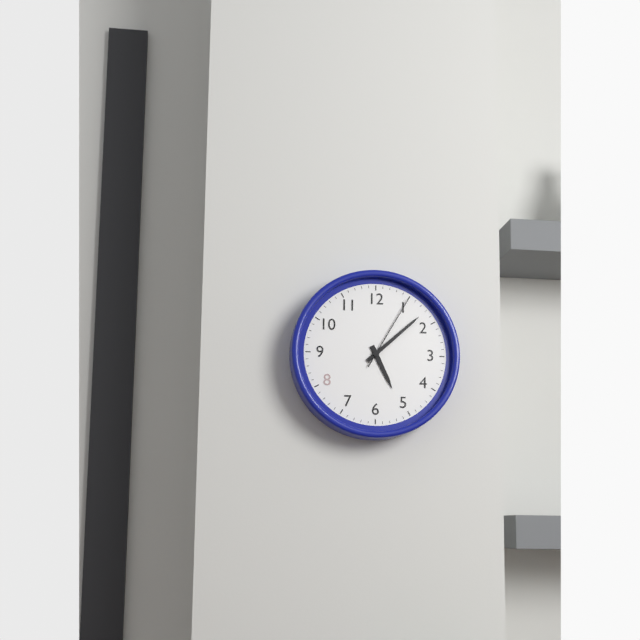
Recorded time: 5.08.05
